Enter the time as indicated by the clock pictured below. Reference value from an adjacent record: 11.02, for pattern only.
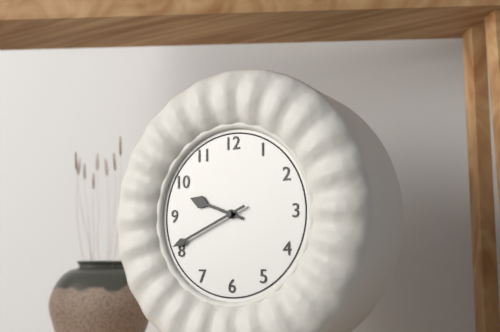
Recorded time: 9.41
